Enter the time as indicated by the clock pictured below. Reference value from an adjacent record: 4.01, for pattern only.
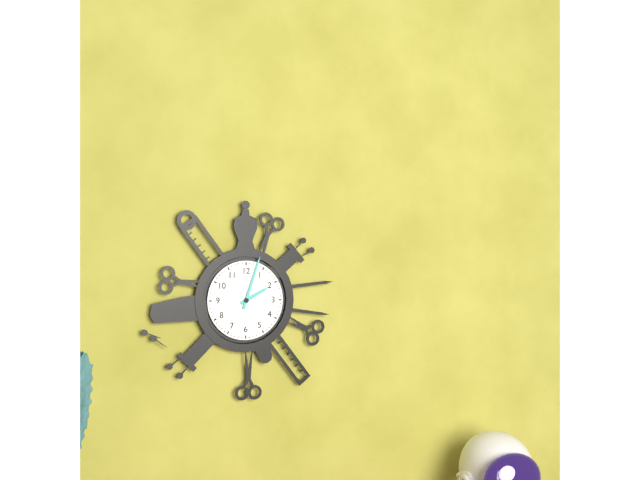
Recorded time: 2.03
